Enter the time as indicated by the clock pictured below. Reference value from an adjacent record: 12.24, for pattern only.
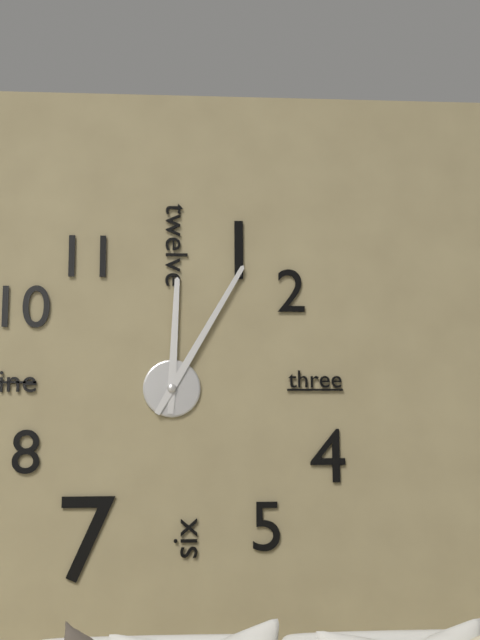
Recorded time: 12.05
